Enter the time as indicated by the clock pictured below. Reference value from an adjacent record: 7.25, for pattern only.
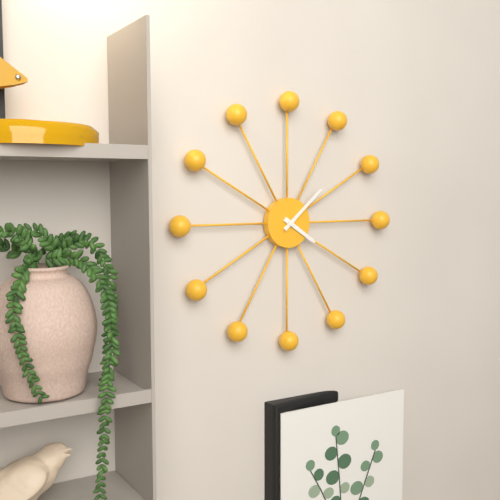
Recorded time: 4.08
